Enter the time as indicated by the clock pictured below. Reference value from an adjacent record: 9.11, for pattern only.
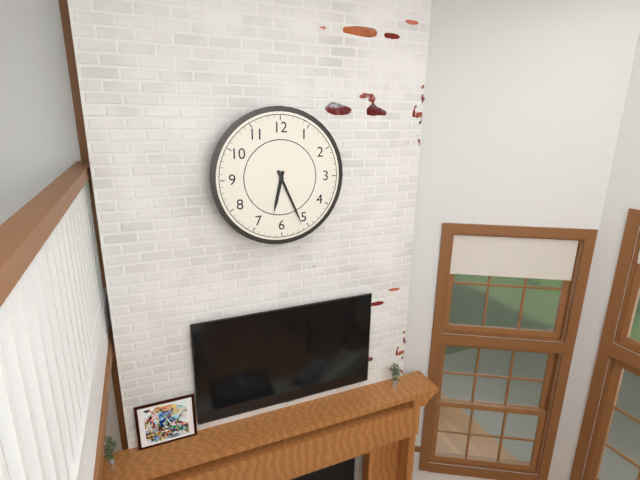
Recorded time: 6.26
